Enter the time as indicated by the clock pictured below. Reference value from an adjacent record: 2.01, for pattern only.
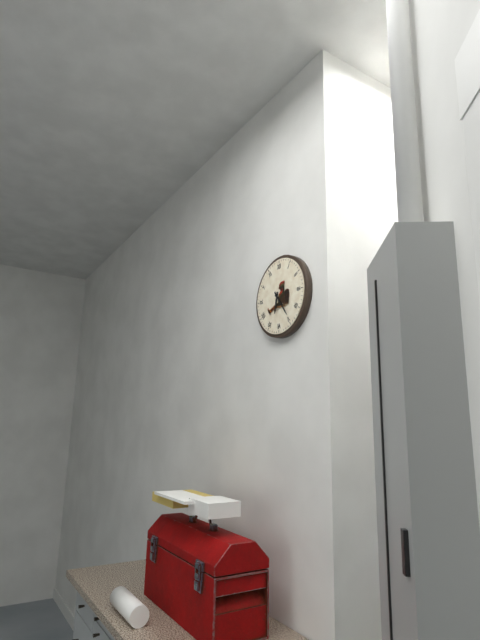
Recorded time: 6.24
